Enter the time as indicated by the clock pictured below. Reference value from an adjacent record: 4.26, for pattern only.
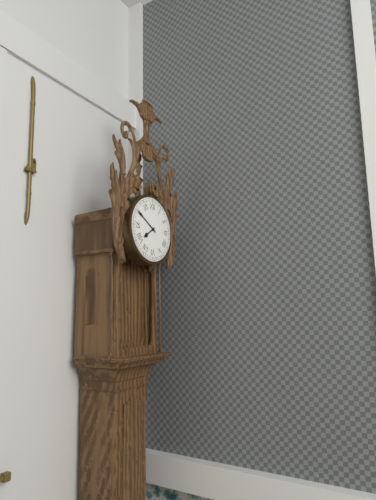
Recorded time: 7.50
